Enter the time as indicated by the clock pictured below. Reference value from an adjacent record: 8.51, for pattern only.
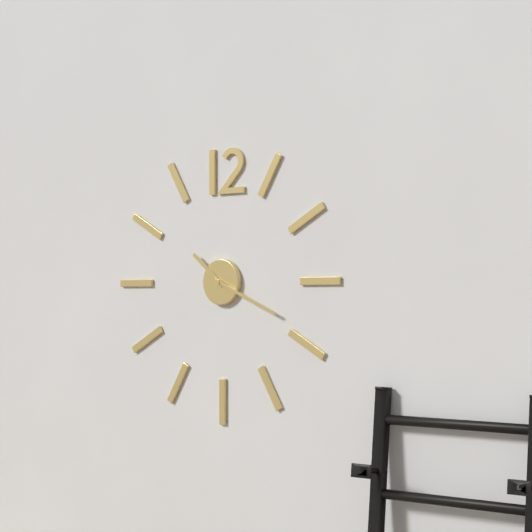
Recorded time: 10.19
